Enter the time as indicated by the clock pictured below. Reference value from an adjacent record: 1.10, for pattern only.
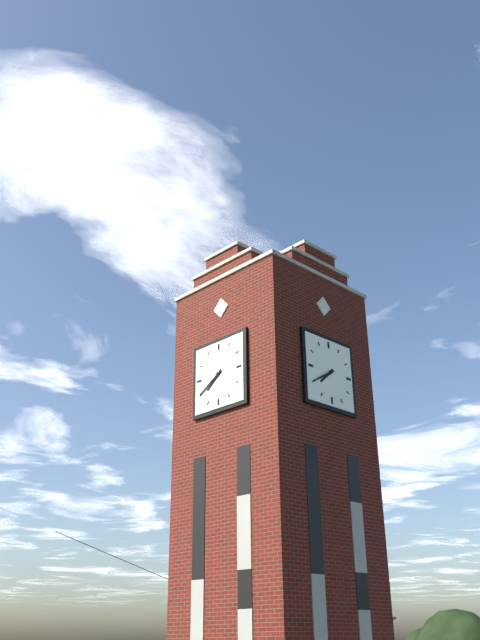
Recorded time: 7.40
